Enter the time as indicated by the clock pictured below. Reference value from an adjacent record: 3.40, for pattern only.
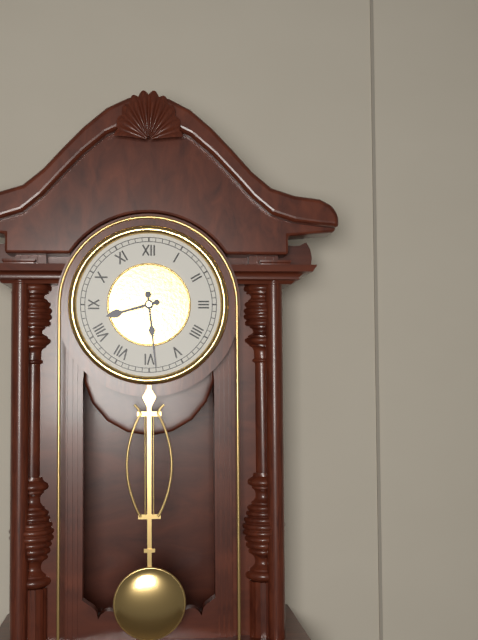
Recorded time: 8.29
